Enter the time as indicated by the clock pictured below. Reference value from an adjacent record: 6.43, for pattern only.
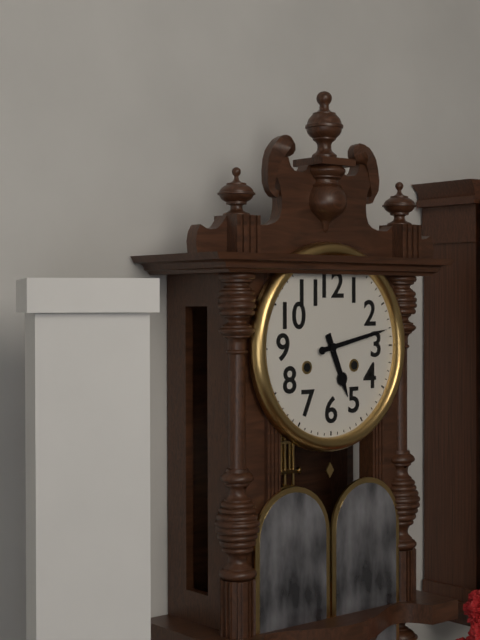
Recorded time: 5.13
